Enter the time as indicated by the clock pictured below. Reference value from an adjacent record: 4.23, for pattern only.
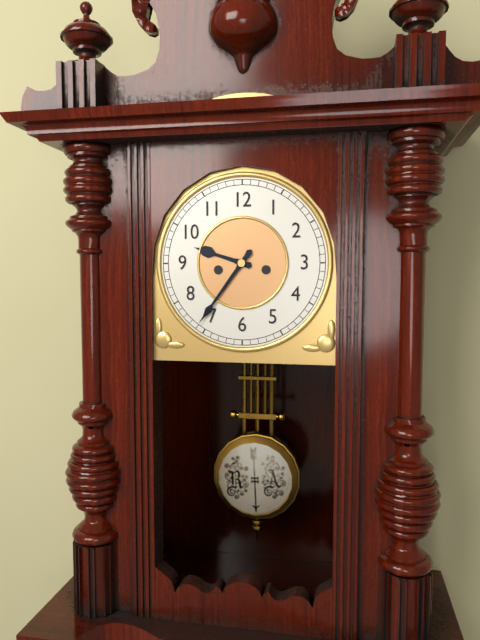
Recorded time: 9.36
